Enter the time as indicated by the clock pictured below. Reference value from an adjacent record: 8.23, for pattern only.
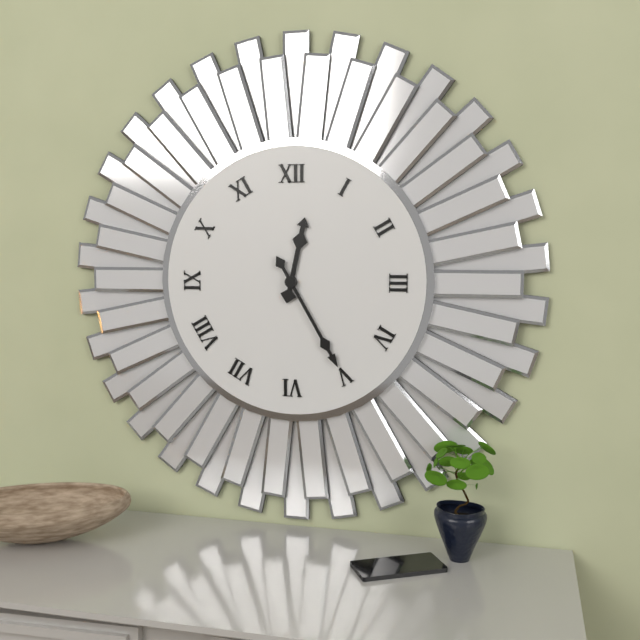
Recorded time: 12.25
